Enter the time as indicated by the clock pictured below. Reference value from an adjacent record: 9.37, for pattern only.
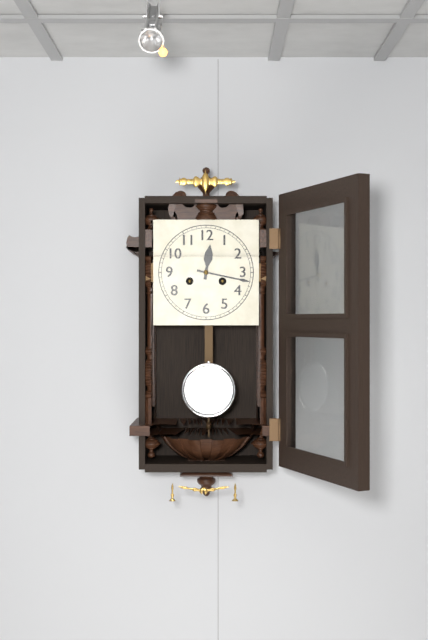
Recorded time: 12.17
